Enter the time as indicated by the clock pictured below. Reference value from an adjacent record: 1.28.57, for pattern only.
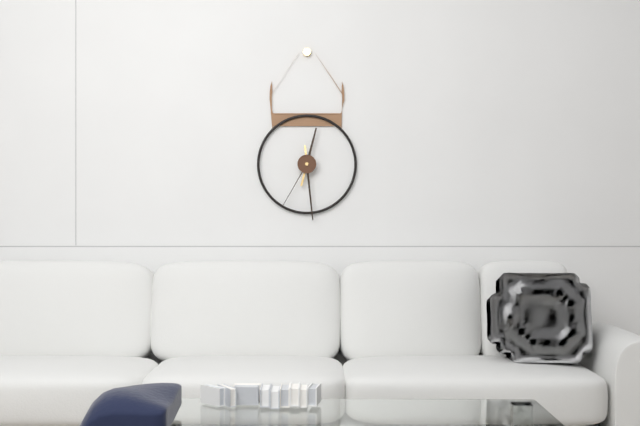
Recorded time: 12.29.35
